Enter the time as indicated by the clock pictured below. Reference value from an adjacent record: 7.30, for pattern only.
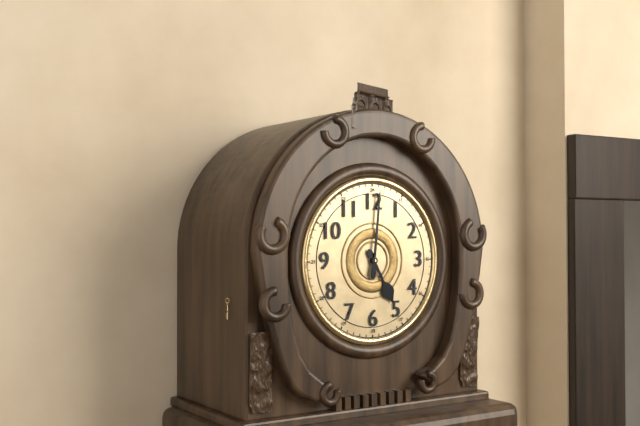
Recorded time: 5.01
